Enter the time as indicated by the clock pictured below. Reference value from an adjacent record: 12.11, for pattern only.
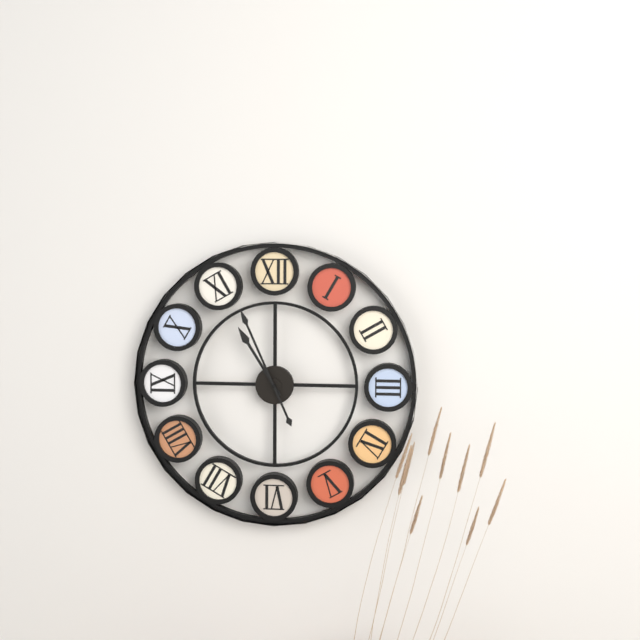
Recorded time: 10.56
